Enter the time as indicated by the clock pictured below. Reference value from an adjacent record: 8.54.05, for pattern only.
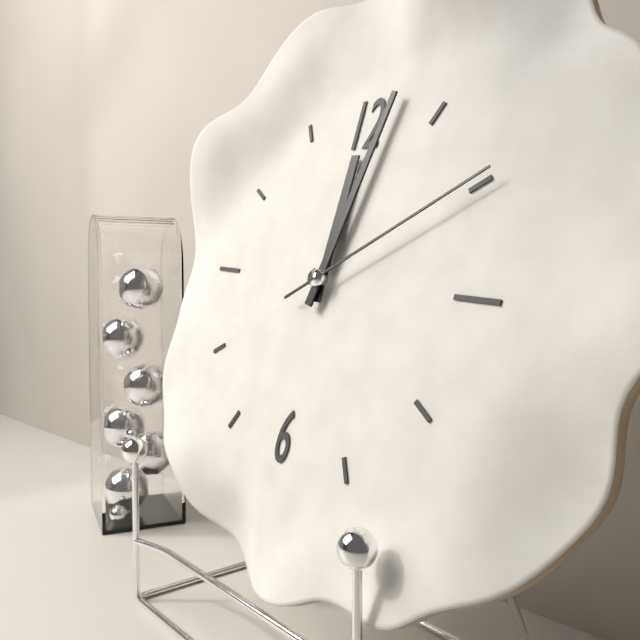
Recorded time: 12.02.10
